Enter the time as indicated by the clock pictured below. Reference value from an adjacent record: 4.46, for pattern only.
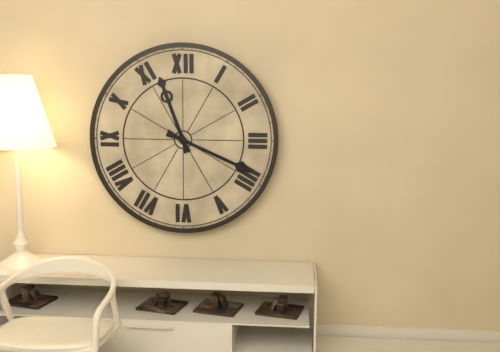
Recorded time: 11.19
